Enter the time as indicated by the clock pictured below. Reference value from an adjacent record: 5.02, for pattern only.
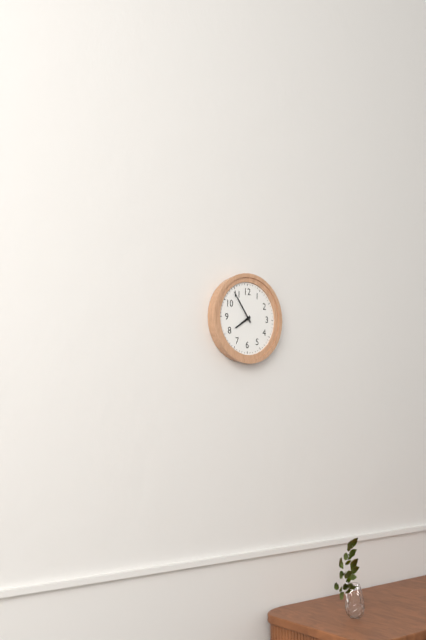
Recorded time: 7.54
